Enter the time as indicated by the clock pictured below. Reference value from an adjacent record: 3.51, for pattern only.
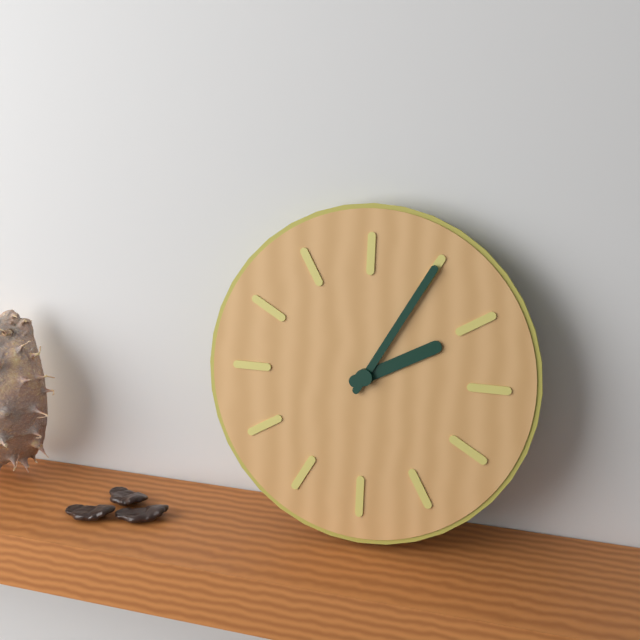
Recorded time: 2.05
